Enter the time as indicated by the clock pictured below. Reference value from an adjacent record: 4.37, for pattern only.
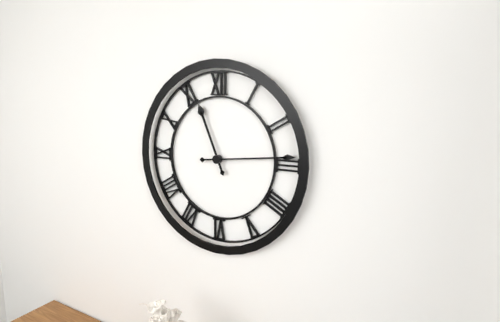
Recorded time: 11.14
